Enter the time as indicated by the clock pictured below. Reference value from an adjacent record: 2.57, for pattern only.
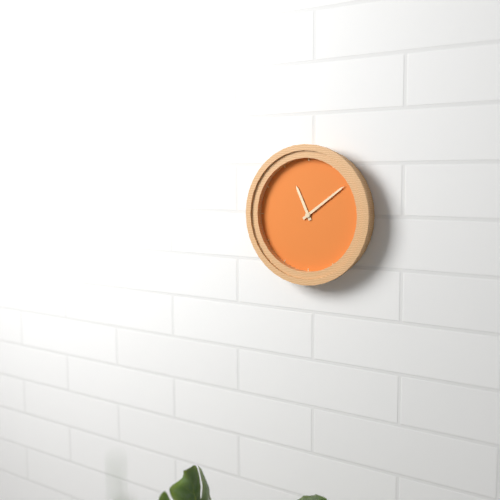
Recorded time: 11.09
